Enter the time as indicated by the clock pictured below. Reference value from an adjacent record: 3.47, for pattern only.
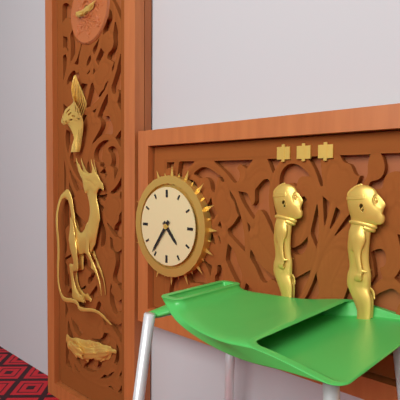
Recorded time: 4.36
